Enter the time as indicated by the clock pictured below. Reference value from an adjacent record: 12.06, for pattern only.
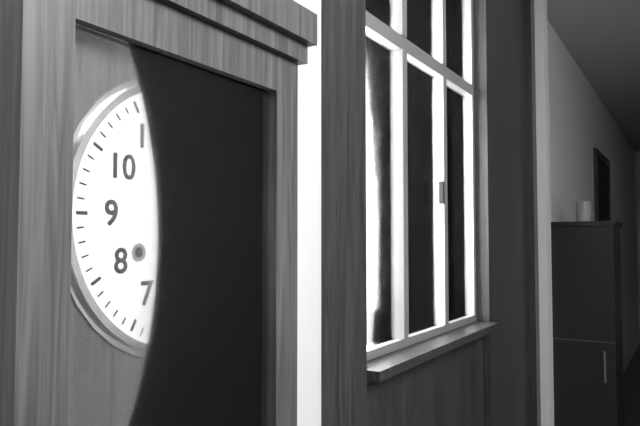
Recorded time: 12.08
